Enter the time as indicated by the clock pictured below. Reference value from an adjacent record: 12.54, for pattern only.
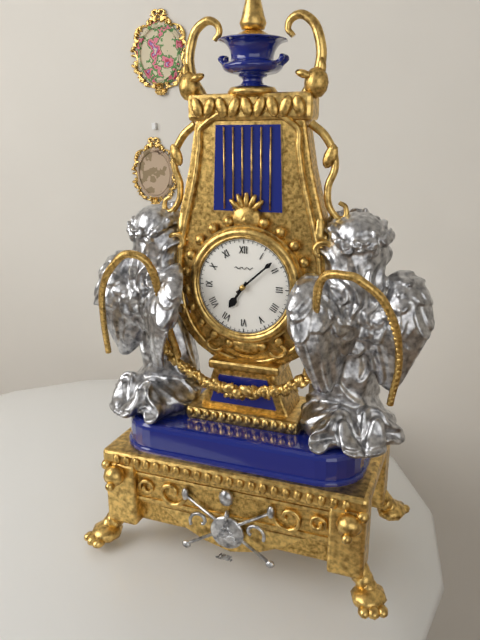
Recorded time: 7.08
